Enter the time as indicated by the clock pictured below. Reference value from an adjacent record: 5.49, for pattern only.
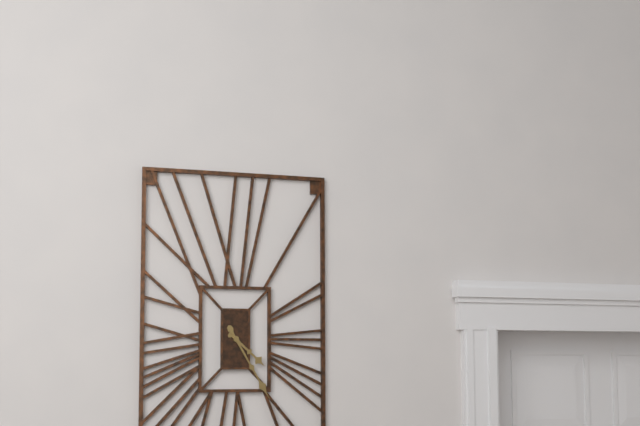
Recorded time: 4.25
